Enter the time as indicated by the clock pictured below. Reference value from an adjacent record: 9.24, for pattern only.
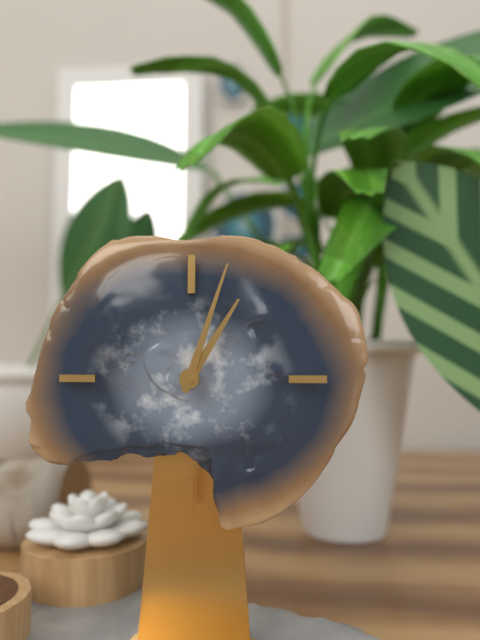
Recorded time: 1.03
